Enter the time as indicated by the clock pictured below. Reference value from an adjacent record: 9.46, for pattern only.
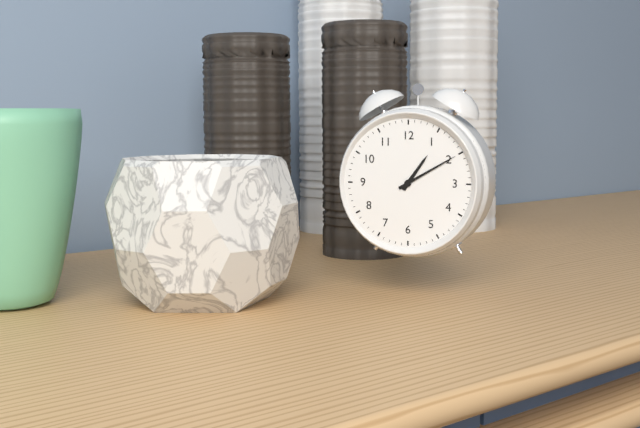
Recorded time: 1.10
